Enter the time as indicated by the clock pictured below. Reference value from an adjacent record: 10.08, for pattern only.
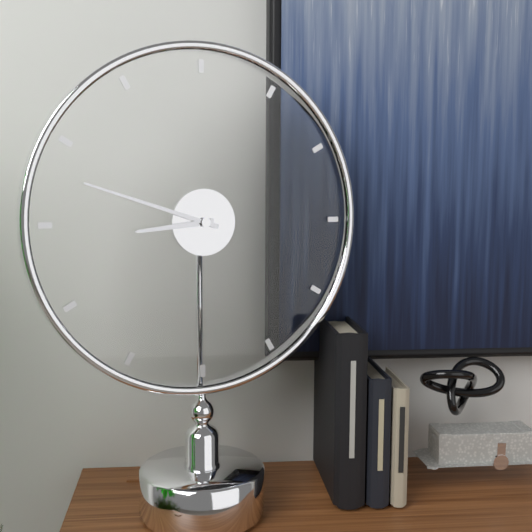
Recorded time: 8.48
